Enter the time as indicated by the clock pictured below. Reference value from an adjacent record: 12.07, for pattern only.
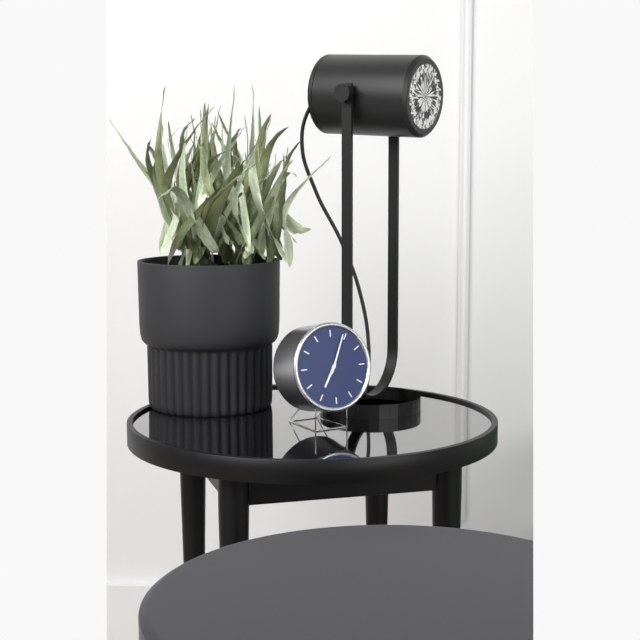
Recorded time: 7.04
